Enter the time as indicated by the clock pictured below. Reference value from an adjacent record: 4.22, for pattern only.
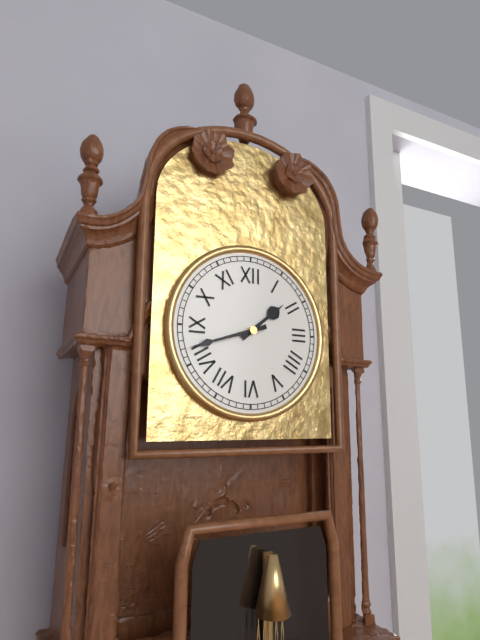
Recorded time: 1.42
